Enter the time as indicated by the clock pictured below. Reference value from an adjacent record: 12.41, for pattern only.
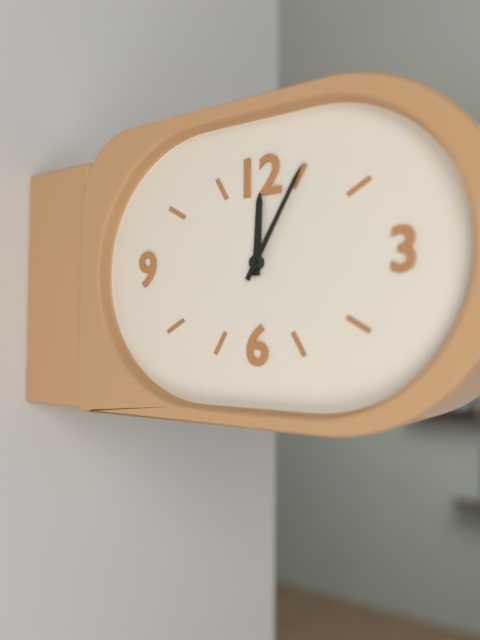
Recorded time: 12.05
